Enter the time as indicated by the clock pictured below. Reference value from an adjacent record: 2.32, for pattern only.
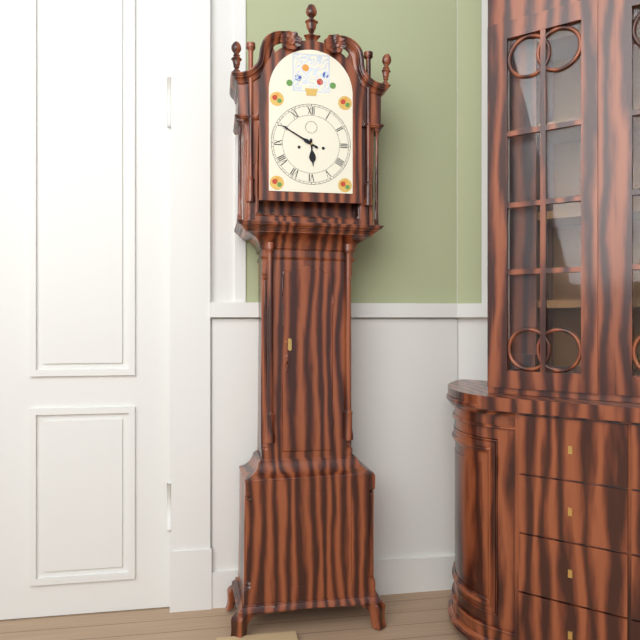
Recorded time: 5.50
